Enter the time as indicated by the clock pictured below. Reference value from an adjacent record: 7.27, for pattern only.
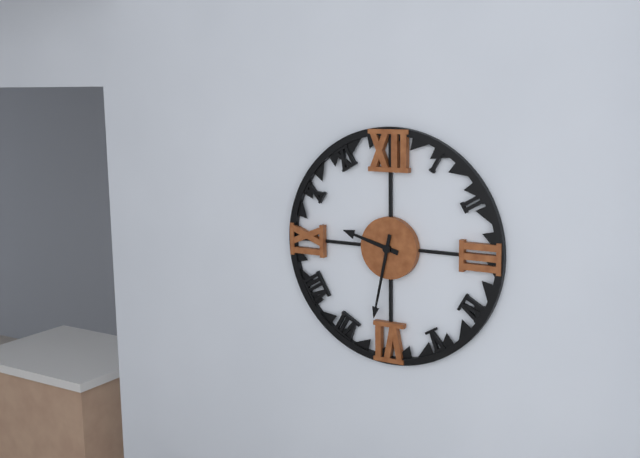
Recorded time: 9.32
